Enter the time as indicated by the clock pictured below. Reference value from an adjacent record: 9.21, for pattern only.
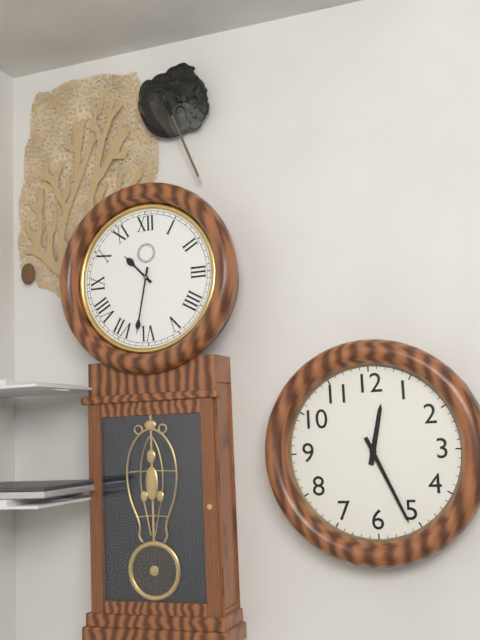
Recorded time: 10.32
